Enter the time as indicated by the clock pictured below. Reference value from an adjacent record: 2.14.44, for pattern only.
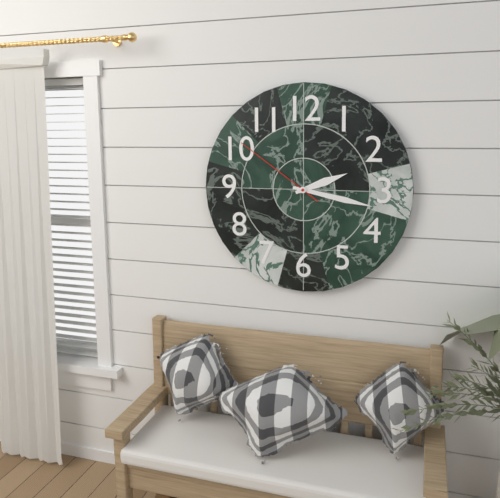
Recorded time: 2.17.51
